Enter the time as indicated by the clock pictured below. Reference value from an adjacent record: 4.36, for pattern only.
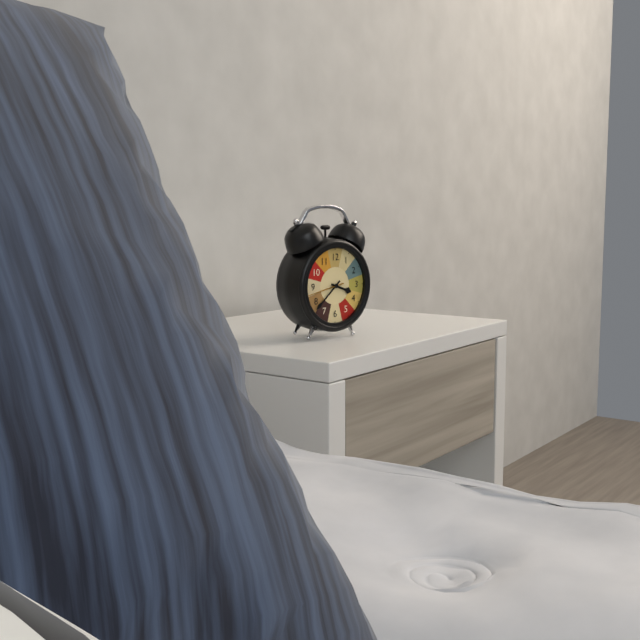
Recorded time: 3.38
